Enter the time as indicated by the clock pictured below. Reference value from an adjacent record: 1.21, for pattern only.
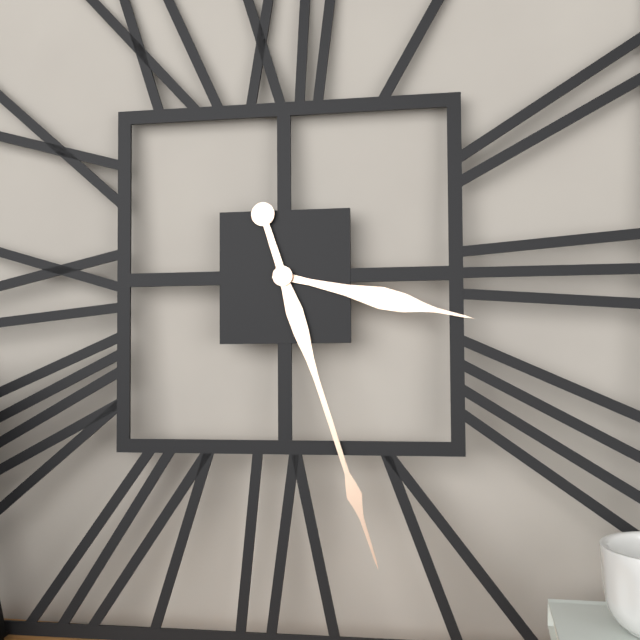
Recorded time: 3.27
